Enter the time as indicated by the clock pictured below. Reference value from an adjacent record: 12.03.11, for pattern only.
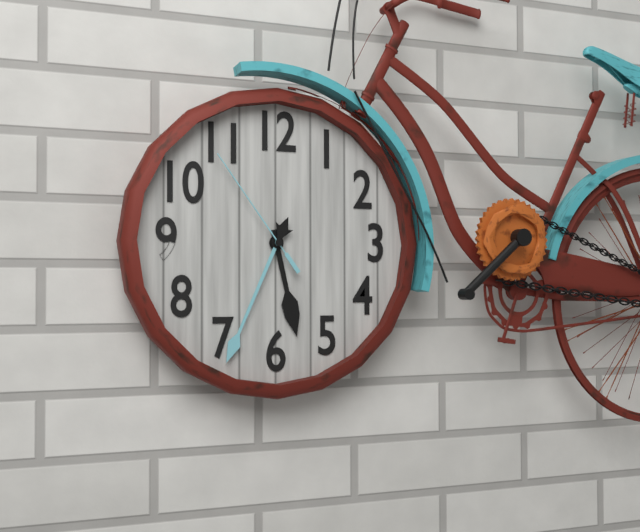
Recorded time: 5.34.54
